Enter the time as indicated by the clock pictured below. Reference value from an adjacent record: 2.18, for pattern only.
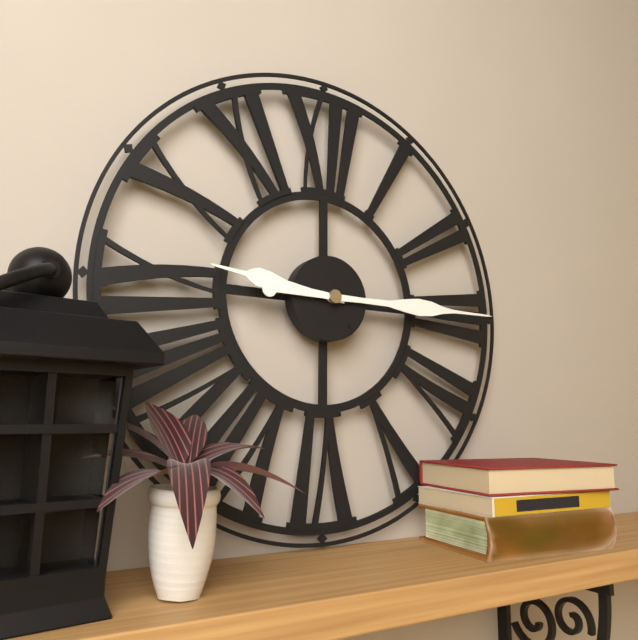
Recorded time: 9.15
